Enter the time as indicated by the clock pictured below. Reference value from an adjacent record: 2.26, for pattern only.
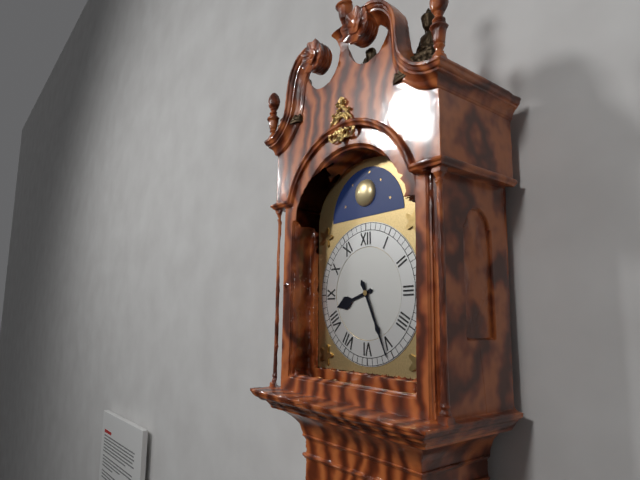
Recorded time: 8.26
